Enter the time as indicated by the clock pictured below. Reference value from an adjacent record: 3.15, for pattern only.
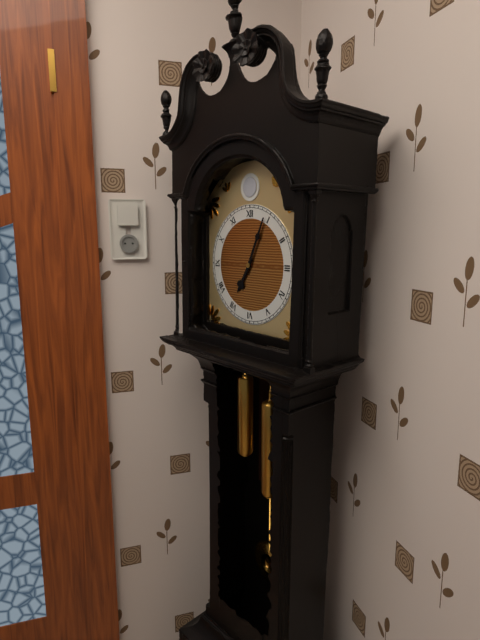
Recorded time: 7.04
